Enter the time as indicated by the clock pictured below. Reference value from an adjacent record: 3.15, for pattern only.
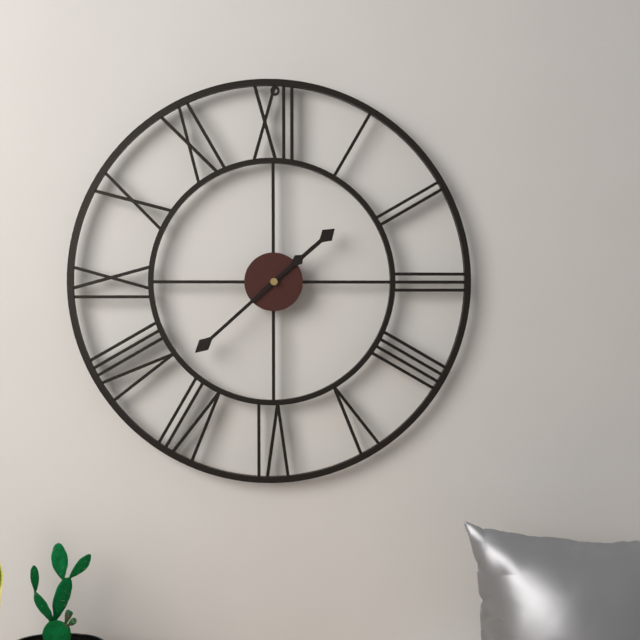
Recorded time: 1.38
